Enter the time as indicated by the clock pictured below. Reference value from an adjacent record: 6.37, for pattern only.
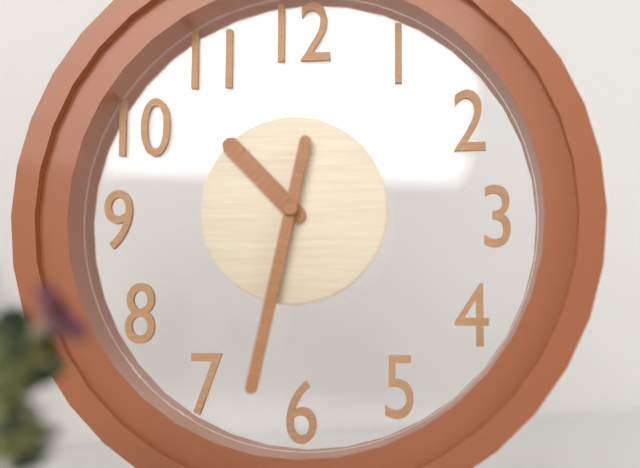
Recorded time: 10.32
